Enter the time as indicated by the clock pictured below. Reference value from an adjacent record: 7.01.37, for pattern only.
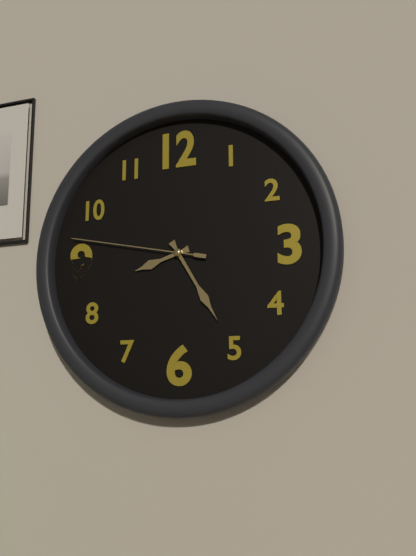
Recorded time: 8.25.47
